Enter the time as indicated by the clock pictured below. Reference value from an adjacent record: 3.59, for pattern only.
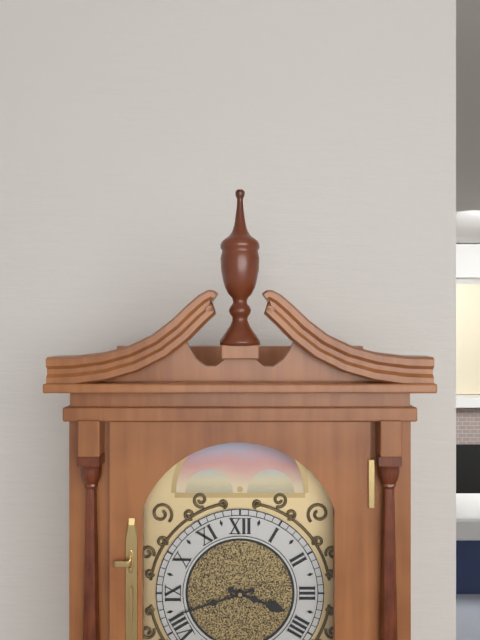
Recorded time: 3.42
